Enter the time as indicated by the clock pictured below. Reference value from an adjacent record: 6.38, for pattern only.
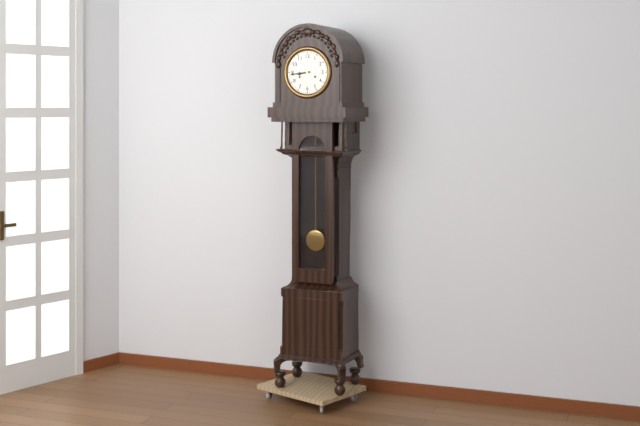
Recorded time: 8.44
